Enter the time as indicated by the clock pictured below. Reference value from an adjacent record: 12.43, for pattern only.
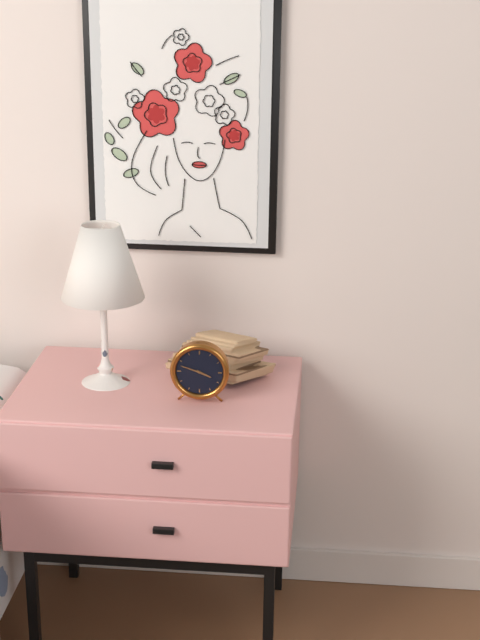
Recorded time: 3.48
